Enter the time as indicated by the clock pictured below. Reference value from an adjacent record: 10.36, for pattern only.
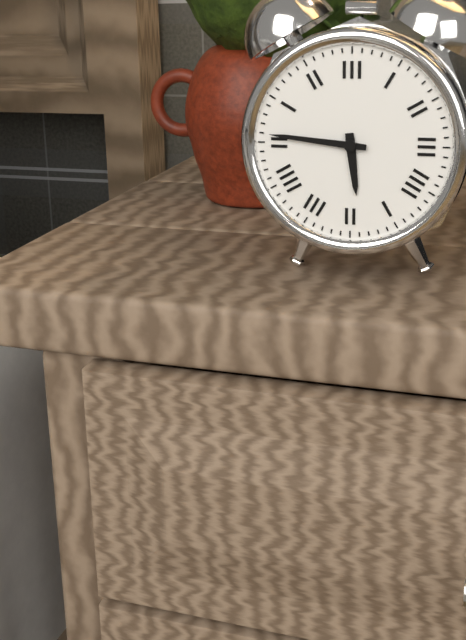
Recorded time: 5.46
